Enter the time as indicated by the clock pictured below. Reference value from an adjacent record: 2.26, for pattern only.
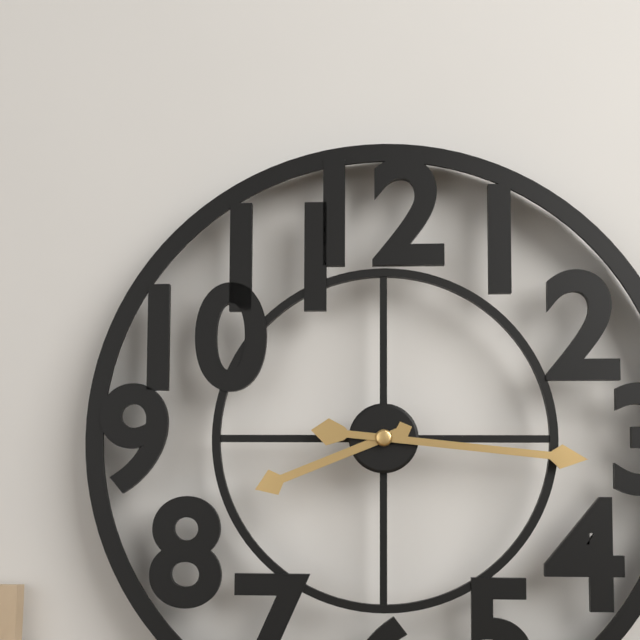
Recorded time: 8.16
